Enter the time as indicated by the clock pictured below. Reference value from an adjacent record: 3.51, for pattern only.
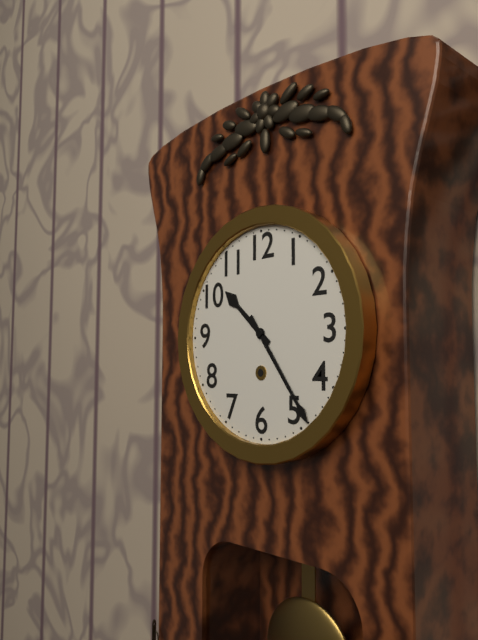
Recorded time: 10.24
